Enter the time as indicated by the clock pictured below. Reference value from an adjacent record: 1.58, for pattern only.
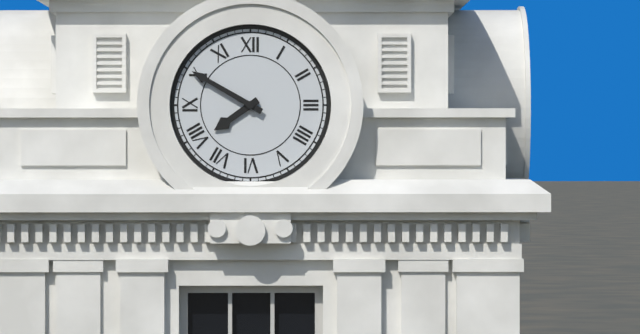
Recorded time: 7.50
